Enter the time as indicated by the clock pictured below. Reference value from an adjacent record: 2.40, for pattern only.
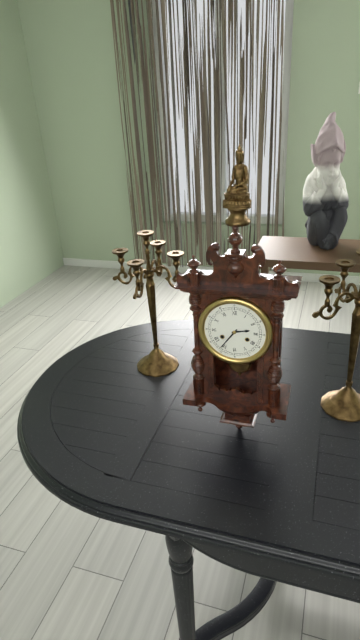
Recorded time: 2.36
